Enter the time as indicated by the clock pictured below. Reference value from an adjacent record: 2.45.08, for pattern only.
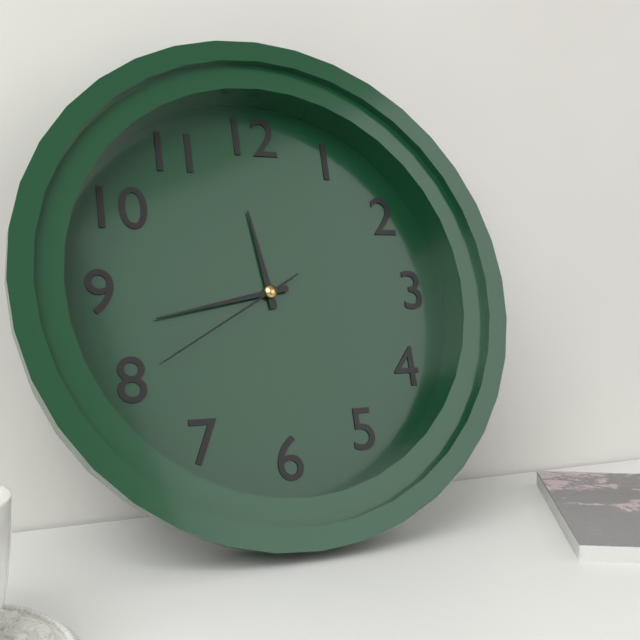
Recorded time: 11.43.40
